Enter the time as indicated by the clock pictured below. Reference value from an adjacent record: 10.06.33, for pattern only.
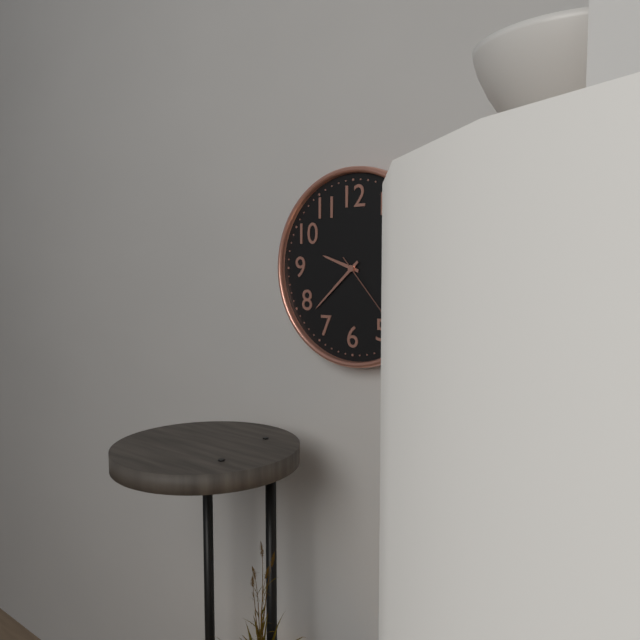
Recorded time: 9.38.23
